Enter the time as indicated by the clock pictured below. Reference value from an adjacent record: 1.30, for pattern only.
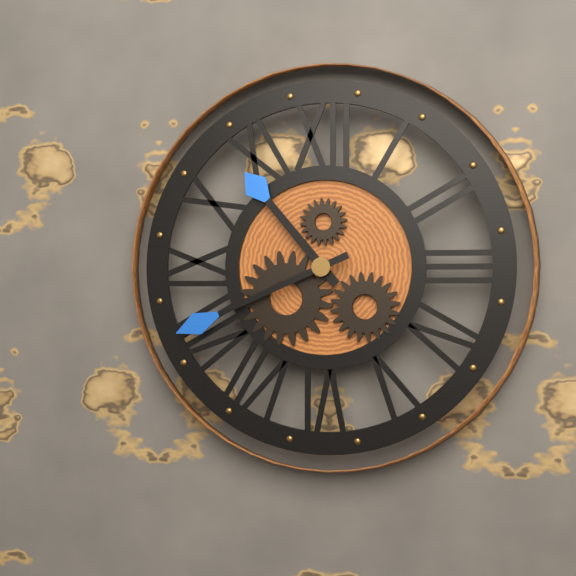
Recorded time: 10.41
